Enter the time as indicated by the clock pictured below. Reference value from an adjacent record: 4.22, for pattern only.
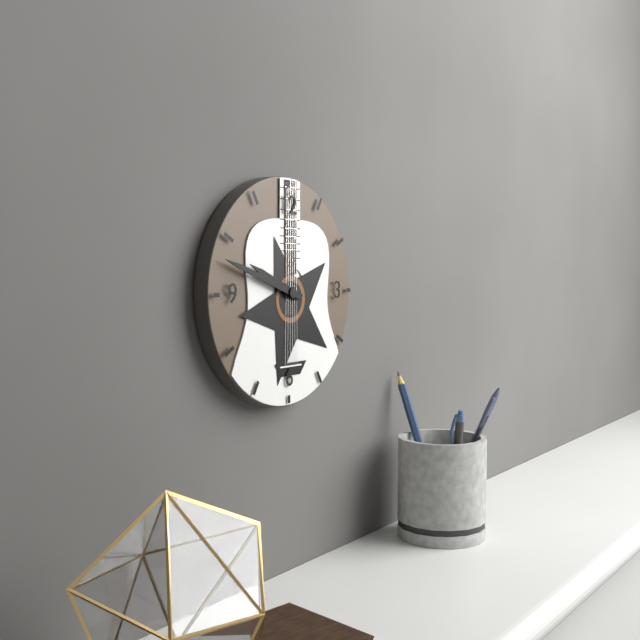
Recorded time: 9.48
